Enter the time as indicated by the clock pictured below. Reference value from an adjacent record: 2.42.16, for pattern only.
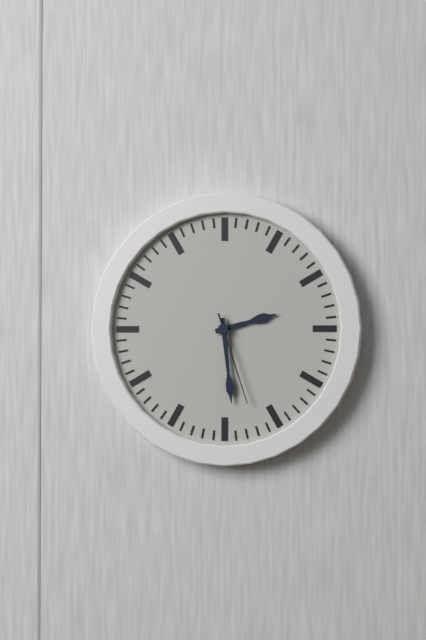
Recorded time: 2.29.27
